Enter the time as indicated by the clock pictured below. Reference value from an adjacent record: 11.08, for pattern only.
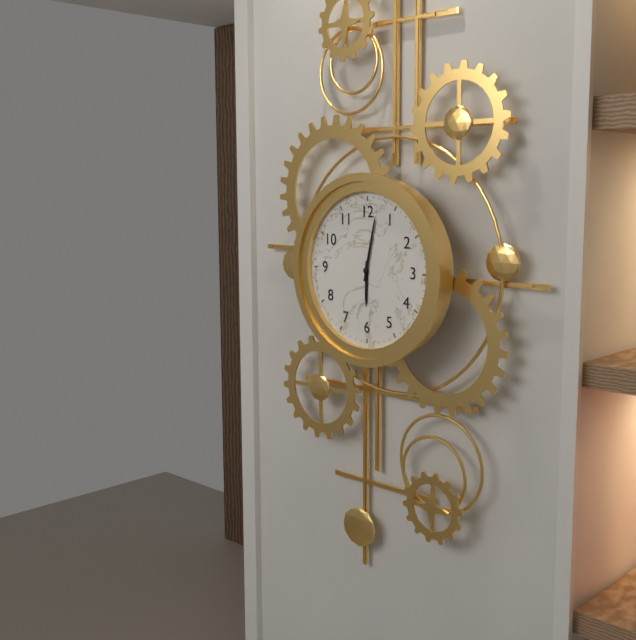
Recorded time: 6.02
